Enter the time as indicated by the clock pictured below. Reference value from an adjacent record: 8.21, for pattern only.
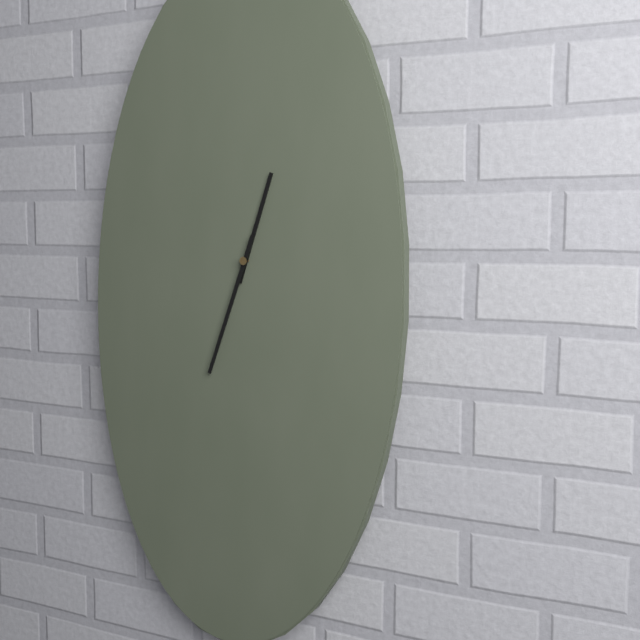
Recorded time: 12.33
